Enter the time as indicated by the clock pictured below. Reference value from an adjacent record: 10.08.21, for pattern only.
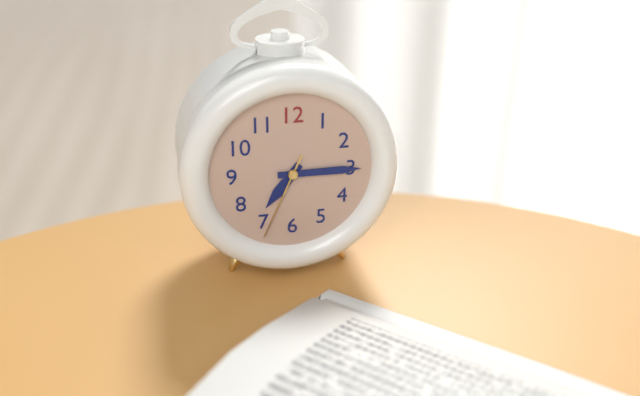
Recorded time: 7.15.34
